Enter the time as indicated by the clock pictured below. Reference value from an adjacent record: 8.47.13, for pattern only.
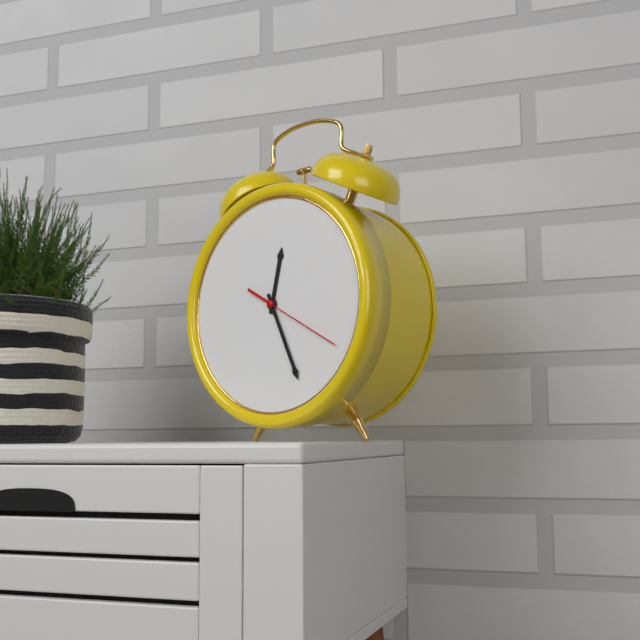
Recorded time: 12.26.20
